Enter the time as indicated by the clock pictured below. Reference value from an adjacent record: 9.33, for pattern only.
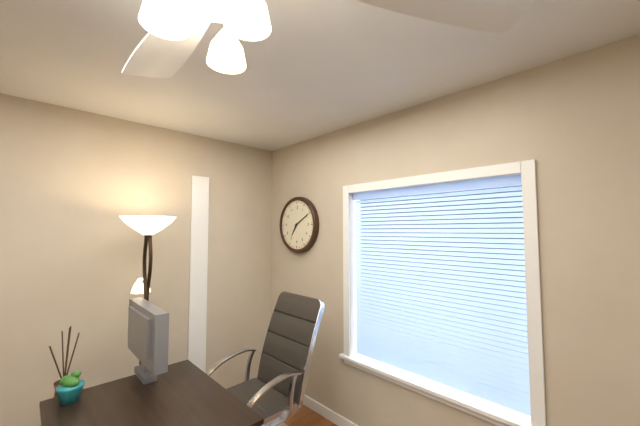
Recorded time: 7.10
